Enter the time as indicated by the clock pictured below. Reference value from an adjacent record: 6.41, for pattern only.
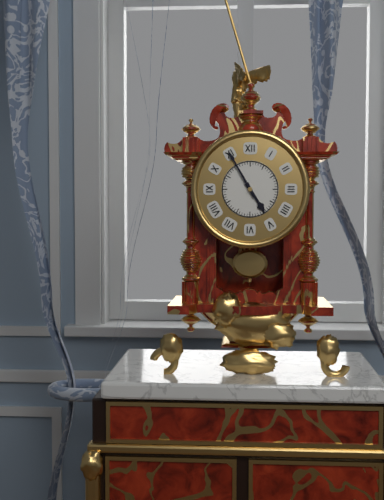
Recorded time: 4.55
